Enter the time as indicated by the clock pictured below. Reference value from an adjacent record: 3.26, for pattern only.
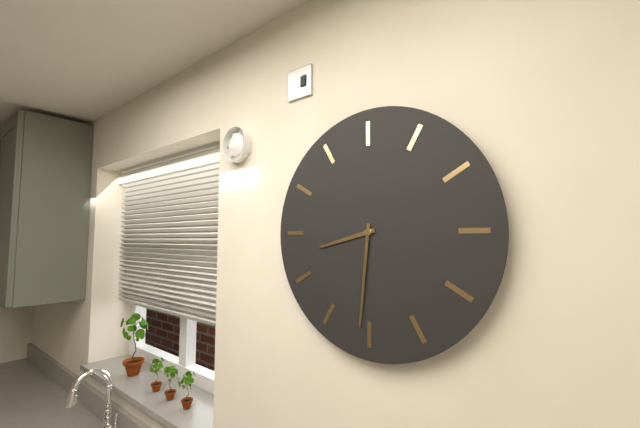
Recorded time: 8.31
